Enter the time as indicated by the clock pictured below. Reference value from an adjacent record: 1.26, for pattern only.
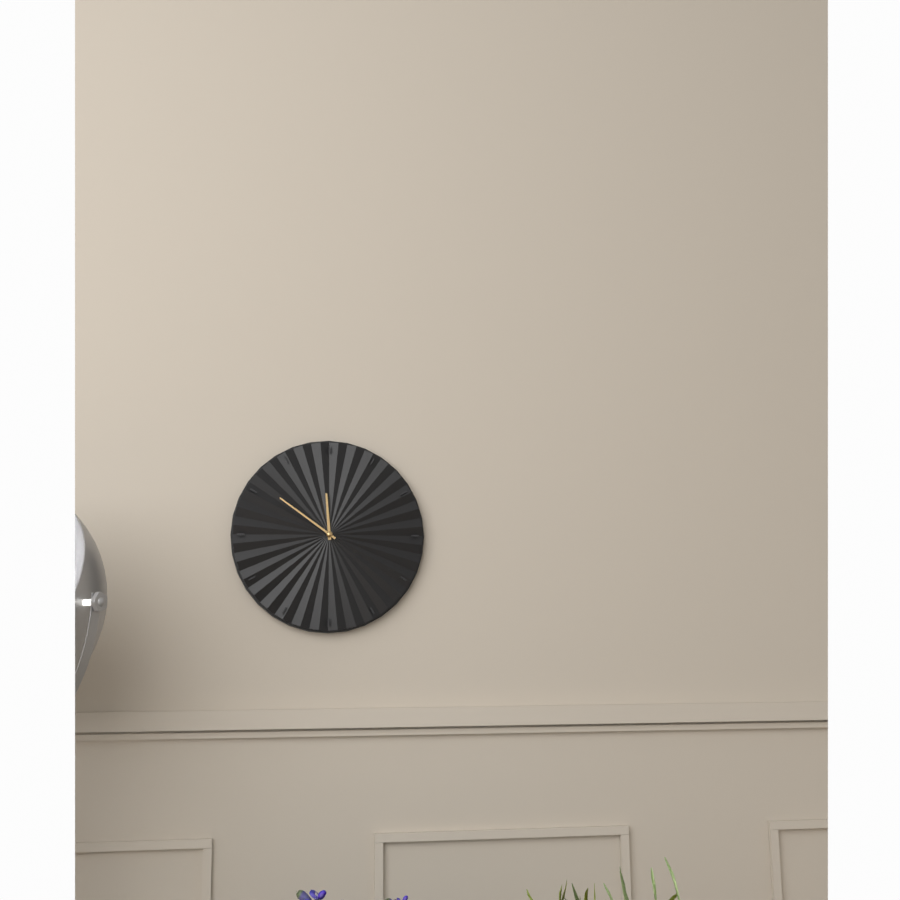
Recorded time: 11.51
